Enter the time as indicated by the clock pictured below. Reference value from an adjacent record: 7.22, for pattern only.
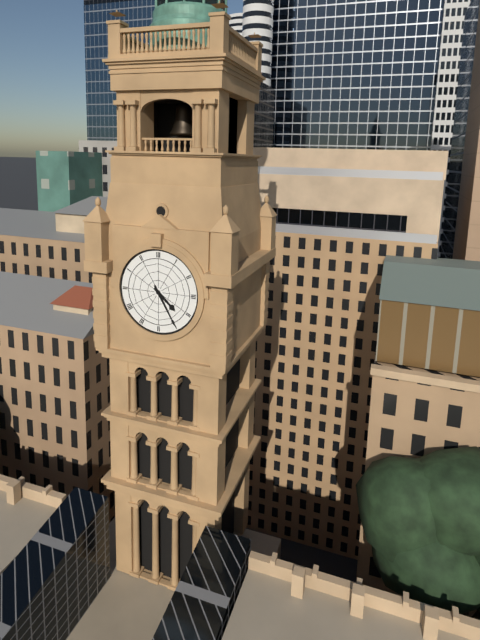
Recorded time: 4.25
